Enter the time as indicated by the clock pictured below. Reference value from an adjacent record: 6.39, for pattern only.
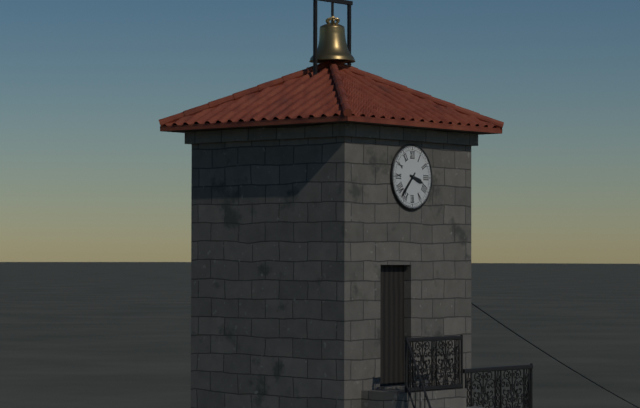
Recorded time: 3.37
